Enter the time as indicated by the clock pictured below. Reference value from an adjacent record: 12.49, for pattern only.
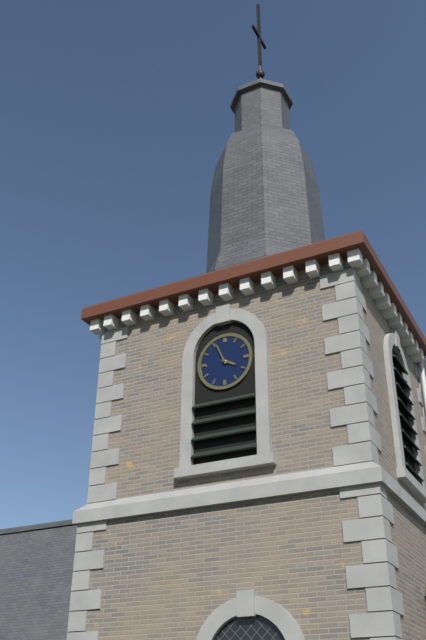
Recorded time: 3.56
